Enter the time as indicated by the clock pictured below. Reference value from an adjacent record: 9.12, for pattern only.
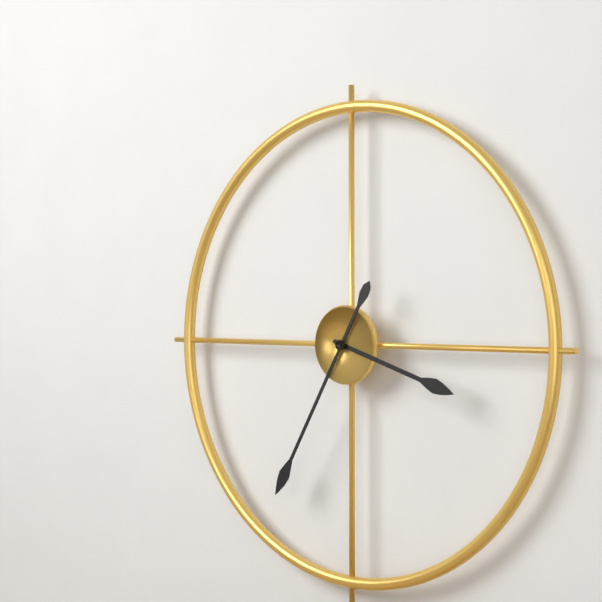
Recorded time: 3.35
